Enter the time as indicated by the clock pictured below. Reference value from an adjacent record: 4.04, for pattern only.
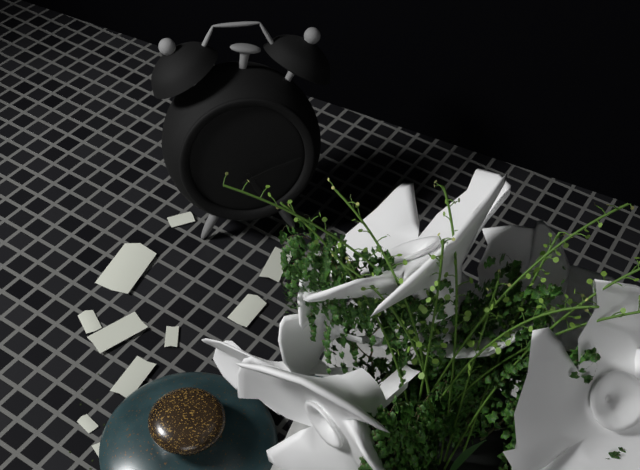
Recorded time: 5.11
